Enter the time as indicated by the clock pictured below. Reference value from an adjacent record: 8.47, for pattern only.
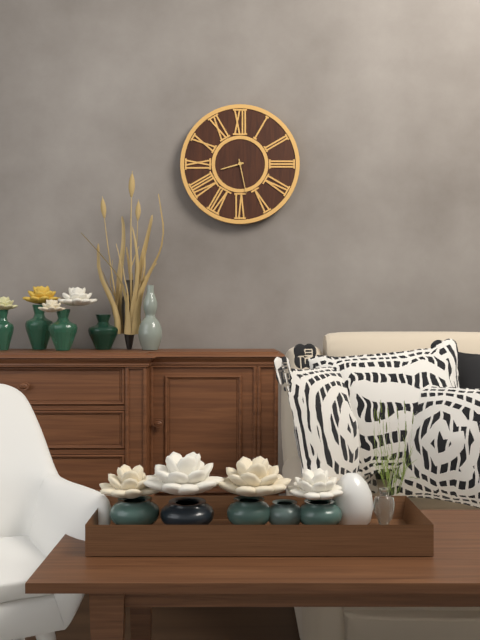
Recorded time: 8.28
